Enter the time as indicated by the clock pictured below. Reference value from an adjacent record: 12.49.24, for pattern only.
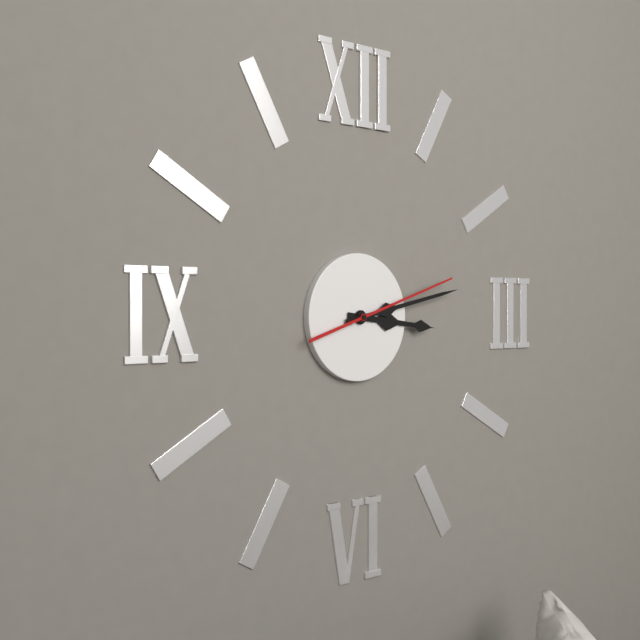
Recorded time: 3.13.12
